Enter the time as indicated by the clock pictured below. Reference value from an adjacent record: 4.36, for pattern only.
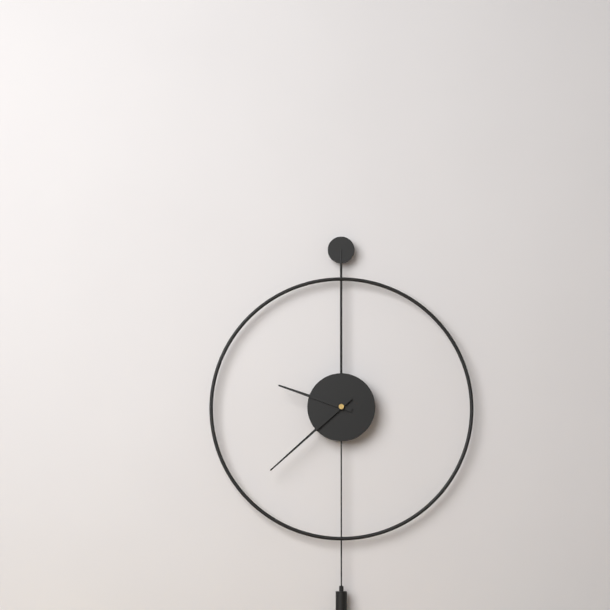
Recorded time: 9.38
